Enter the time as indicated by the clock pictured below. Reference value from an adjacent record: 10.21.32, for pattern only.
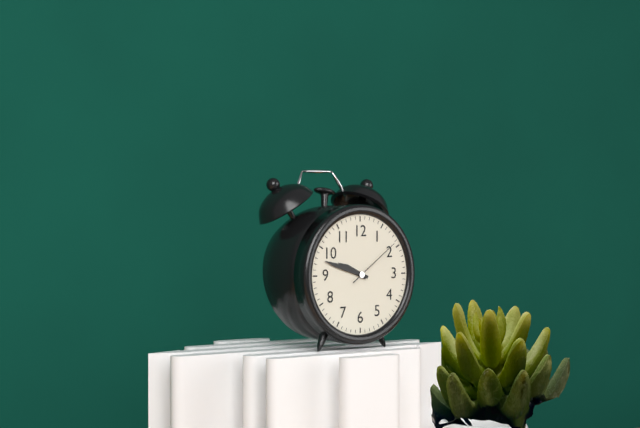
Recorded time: 9.48.09
